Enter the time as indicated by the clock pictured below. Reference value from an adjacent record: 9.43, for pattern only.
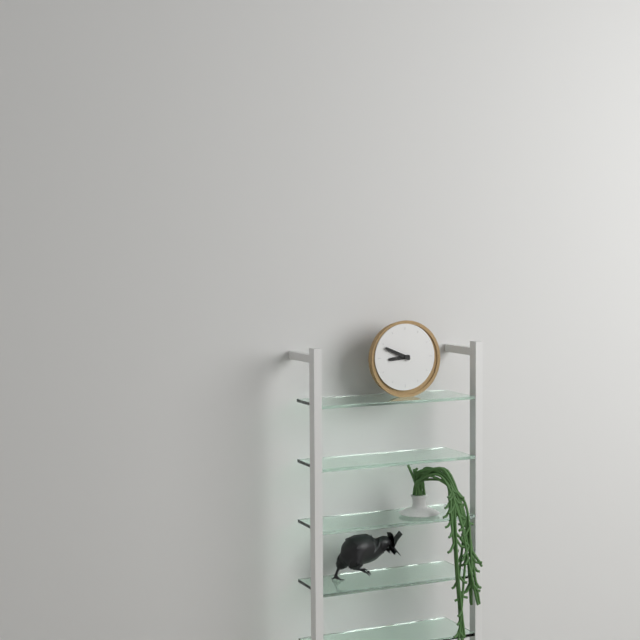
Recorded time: 8.49
